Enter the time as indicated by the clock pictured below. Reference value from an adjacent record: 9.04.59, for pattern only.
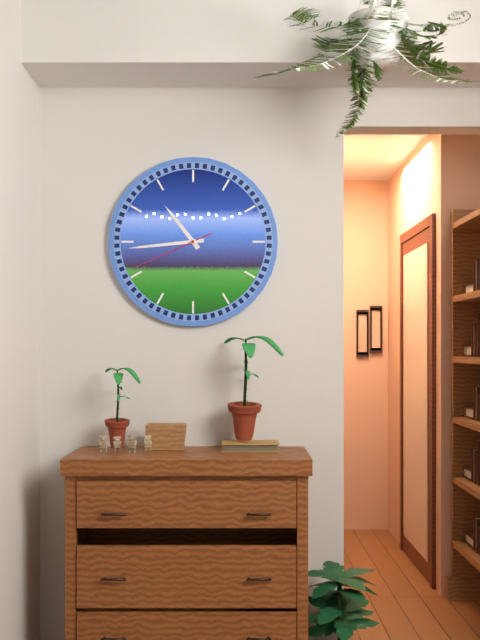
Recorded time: 10.44.41
